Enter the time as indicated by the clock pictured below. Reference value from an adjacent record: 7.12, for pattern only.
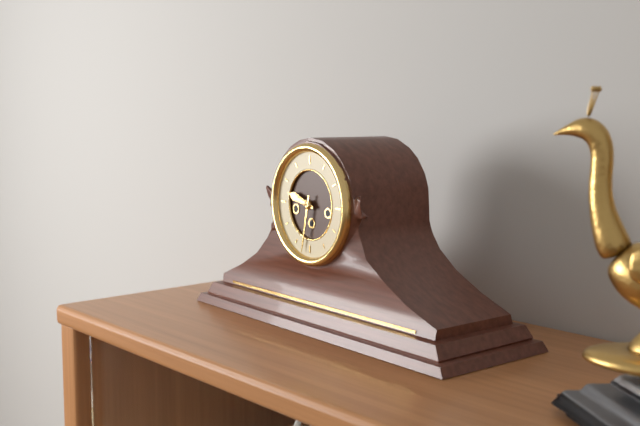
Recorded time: 9.32
